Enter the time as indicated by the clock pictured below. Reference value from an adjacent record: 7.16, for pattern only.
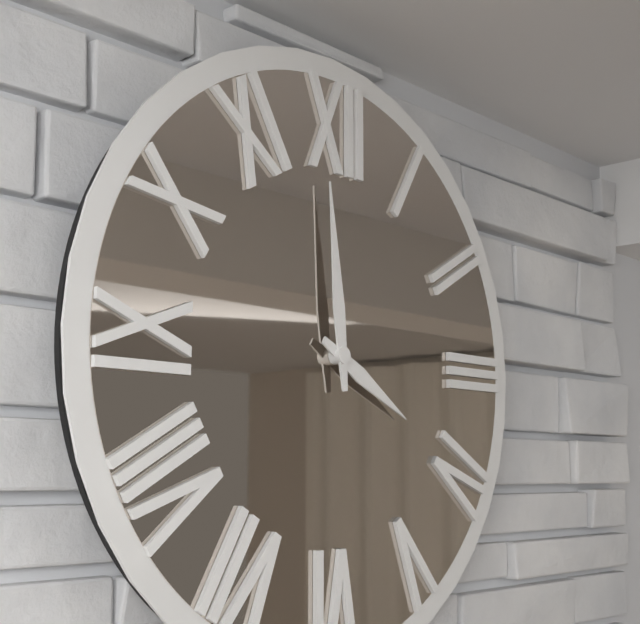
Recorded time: 3.59
